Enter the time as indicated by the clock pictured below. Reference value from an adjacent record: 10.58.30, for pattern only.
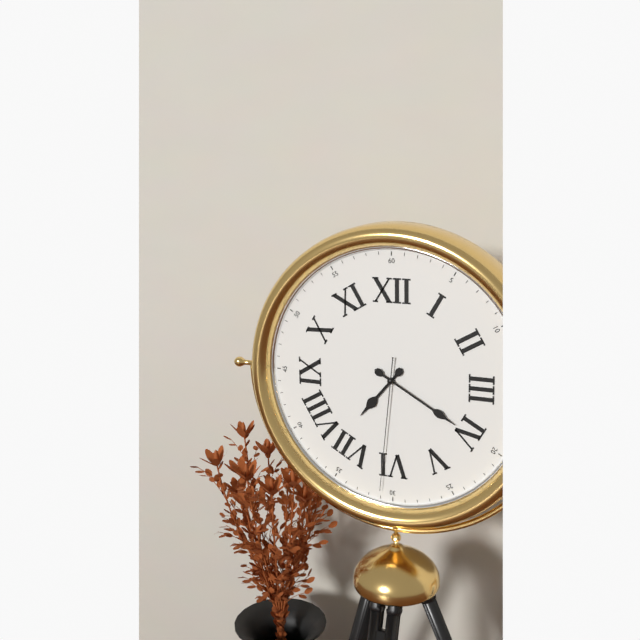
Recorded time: 7.20.31
